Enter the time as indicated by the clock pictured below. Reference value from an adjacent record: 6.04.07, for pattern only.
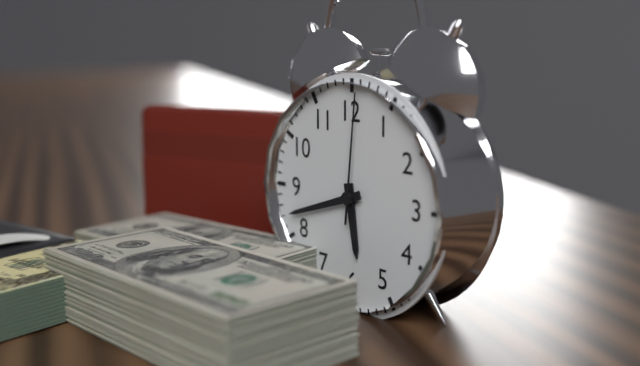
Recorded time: 5.42.01
